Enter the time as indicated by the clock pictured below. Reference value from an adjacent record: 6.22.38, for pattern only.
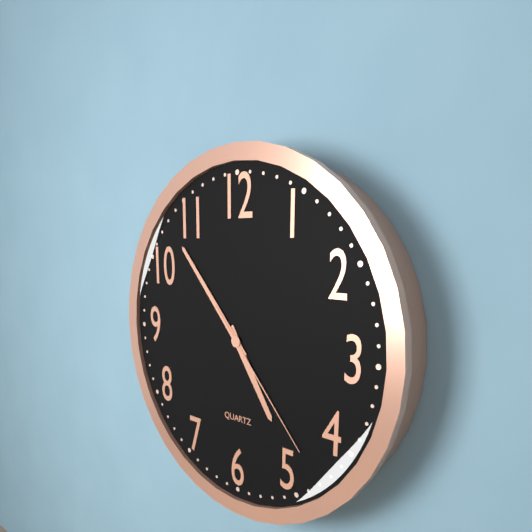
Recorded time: 4.53.23
